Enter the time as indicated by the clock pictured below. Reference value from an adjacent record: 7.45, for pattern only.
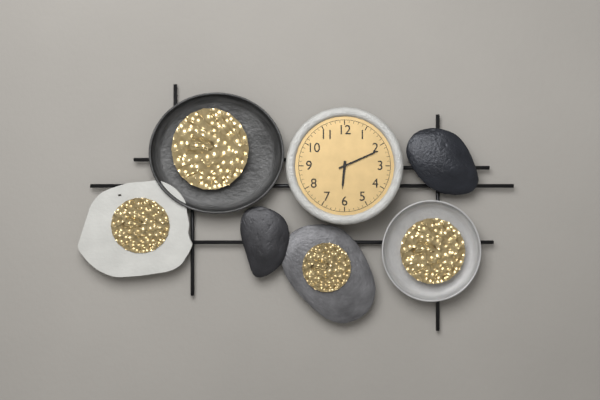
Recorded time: 6.11
